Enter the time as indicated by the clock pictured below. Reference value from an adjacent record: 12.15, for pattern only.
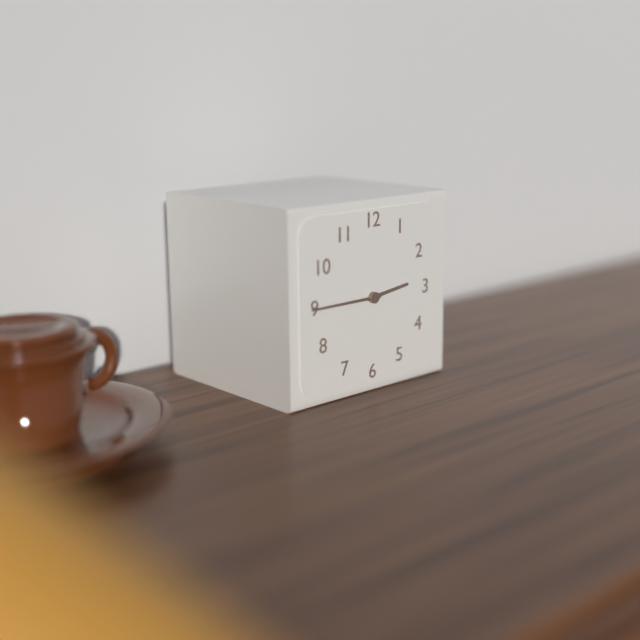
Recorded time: 2.45
